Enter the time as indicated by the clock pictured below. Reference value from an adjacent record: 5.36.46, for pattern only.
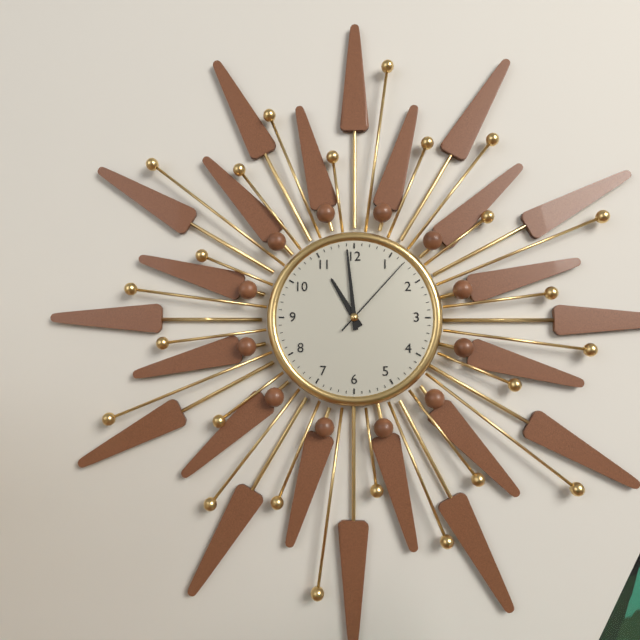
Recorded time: 10.59.07
